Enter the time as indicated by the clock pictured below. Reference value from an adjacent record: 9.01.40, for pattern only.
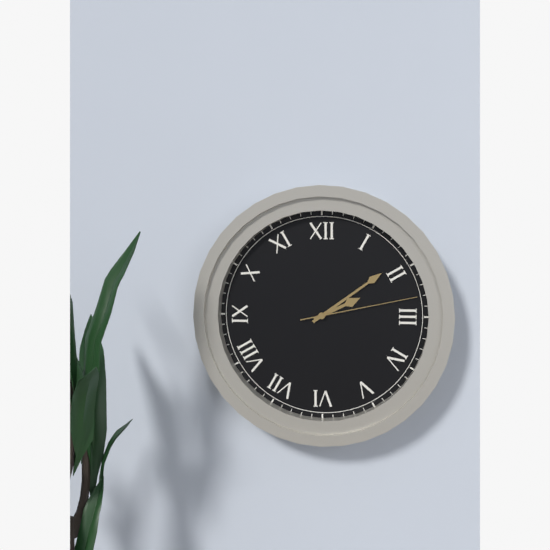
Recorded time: 2.09.13
